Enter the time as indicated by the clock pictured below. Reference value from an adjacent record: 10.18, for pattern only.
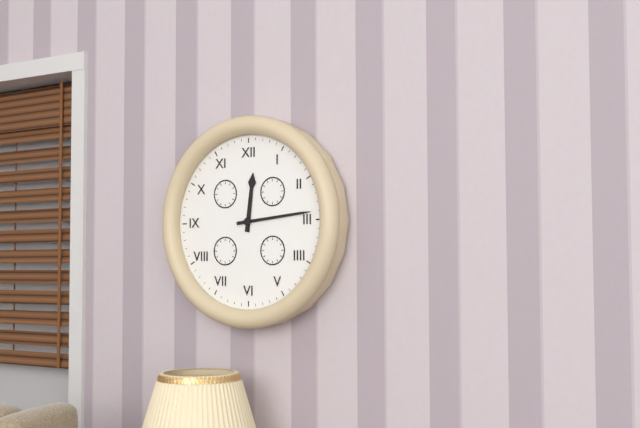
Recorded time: 12.14
